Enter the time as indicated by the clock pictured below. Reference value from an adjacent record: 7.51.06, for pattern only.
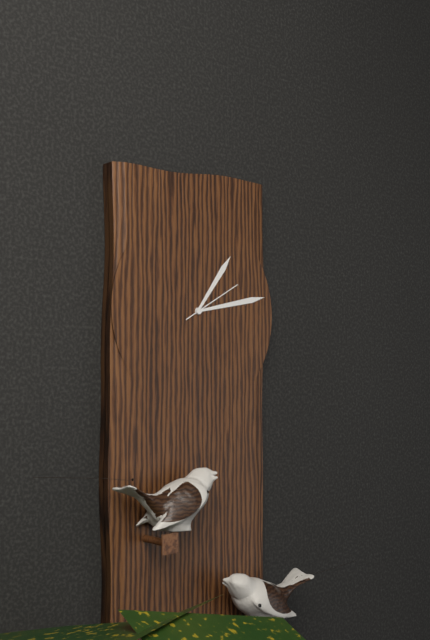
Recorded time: 1.13.10
